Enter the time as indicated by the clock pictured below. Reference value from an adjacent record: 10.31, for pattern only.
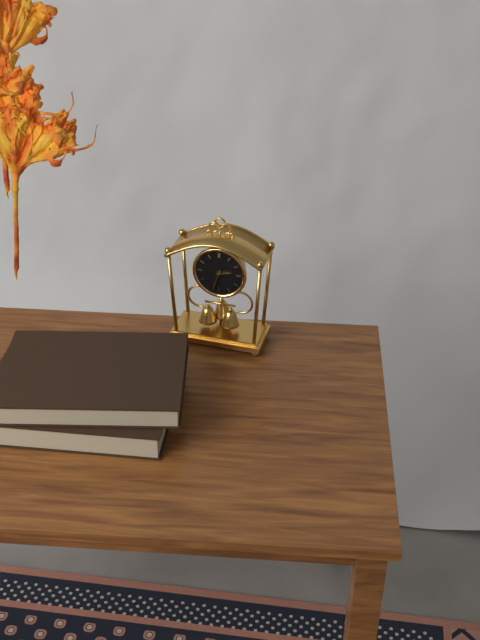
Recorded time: 2.33
